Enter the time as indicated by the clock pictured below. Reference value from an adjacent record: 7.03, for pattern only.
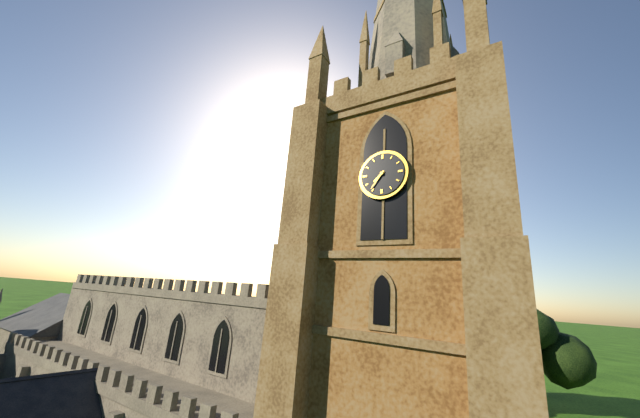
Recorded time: 7.36
